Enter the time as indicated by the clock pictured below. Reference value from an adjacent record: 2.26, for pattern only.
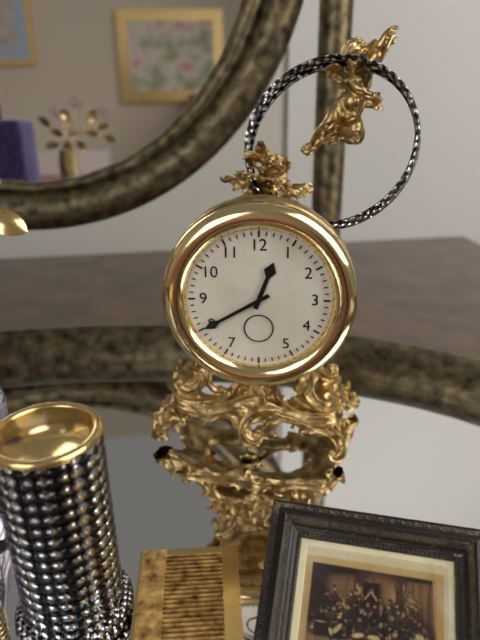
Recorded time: 12.40
